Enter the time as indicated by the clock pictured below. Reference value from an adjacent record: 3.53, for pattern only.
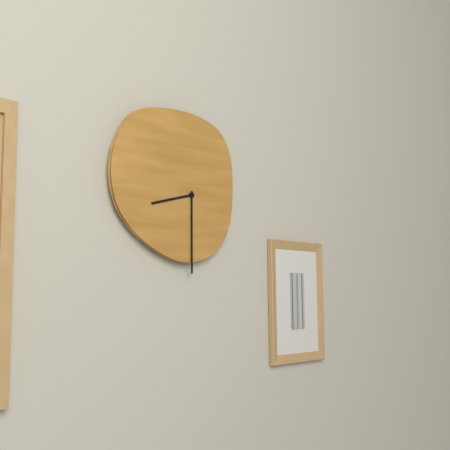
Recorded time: 8.30
